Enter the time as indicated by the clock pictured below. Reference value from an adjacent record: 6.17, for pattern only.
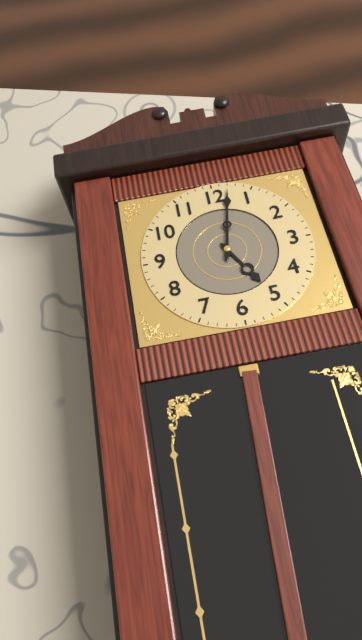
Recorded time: 5.02
